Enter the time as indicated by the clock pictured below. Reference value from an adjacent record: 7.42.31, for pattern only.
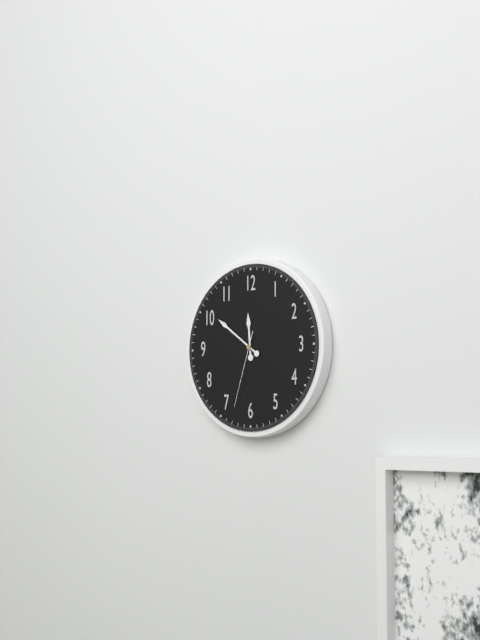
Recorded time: 11.51.33
